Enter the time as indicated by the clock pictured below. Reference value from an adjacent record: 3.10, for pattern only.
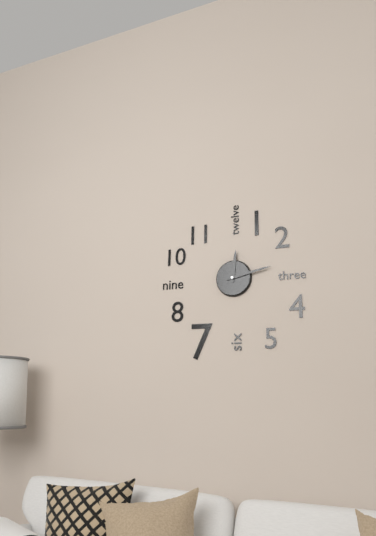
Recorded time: 12.13
